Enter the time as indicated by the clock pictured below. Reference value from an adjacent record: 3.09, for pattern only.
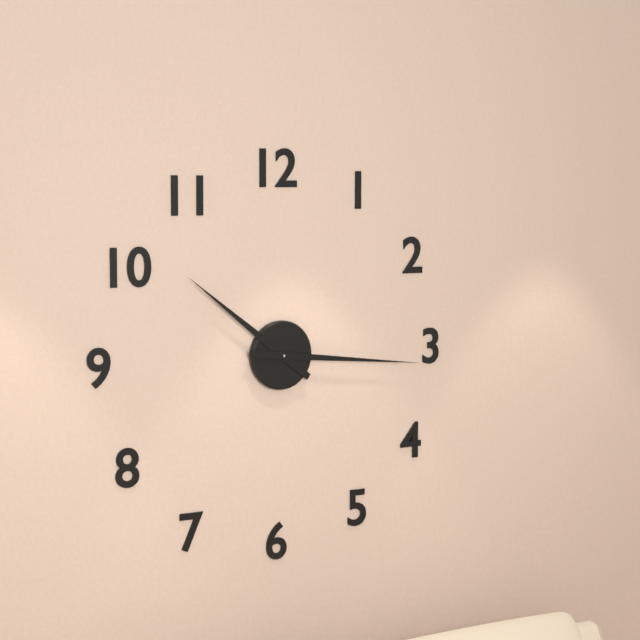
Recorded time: 10.16
